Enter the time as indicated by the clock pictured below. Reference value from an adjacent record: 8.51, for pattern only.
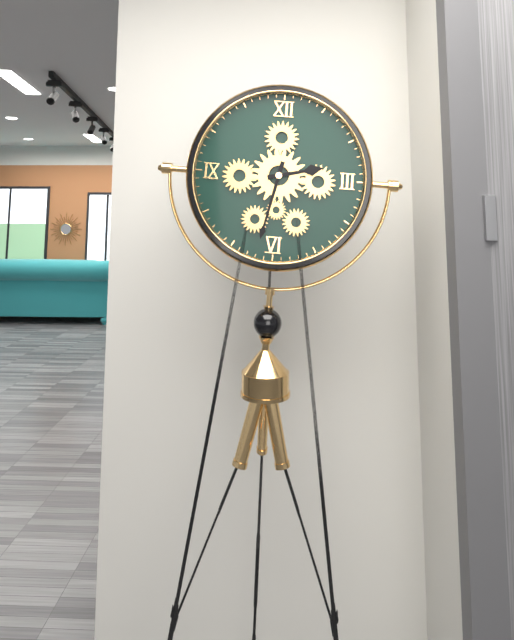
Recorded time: 2.32
